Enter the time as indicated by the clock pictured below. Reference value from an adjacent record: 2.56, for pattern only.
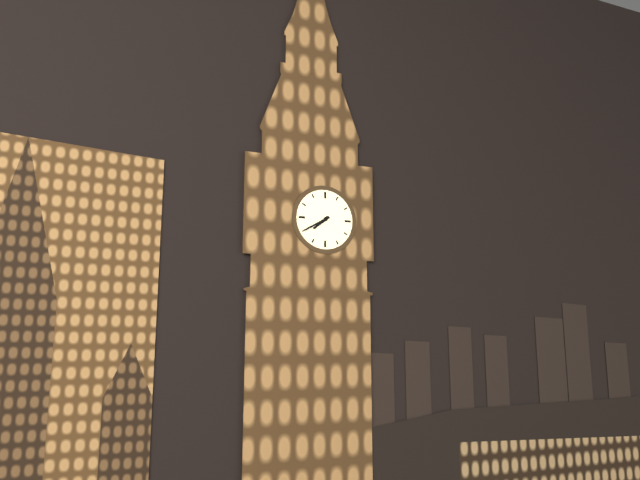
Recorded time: 7.40
